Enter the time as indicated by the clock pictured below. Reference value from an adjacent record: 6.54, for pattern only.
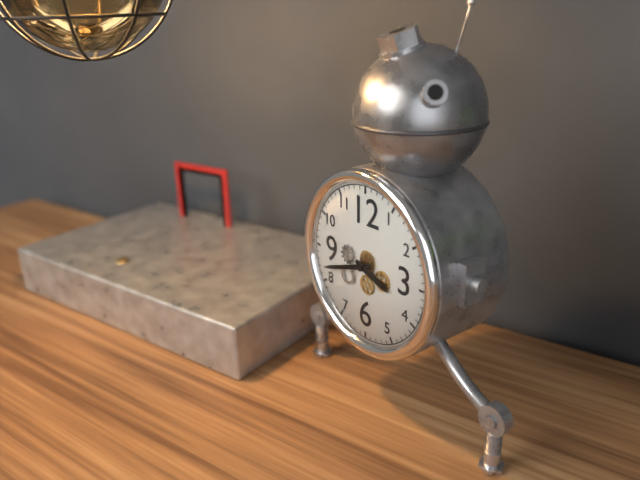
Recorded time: 3.42
